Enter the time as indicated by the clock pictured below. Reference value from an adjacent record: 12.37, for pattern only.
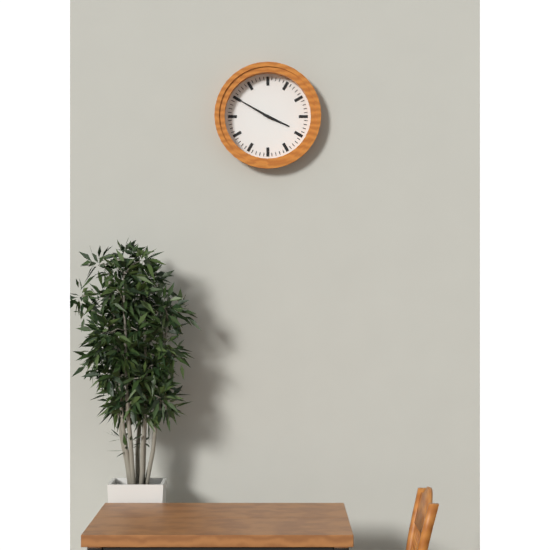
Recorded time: 3.50
